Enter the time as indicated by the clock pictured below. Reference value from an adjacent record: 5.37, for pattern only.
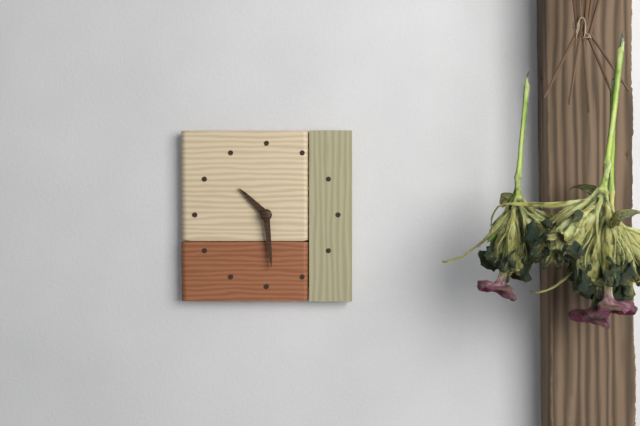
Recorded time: 10.29
